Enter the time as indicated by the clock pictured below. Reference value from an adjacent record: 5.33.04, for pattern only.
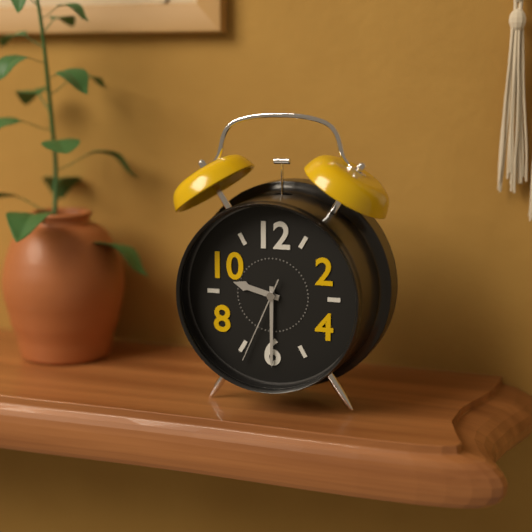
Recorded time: 9.30.34
